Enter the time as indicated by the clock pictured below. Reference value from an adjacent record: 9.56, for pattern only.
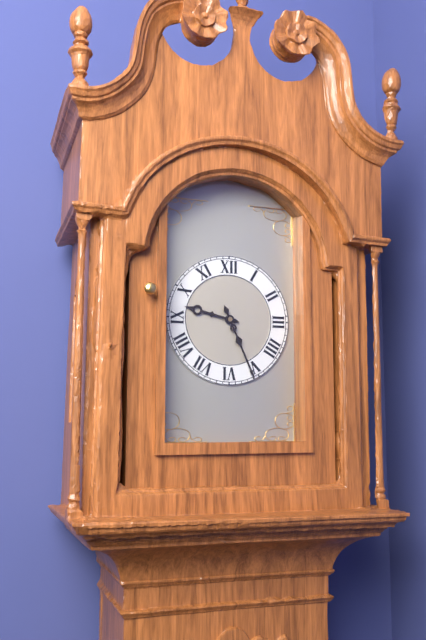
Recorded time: 9.26
